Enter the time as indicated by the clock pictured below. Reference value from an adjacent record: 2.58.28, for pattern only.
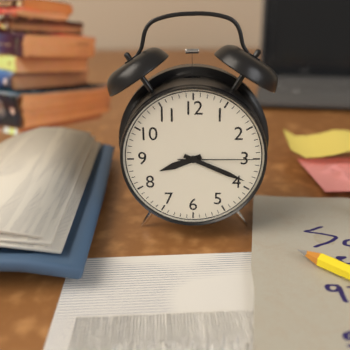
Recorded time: 8.19.15
